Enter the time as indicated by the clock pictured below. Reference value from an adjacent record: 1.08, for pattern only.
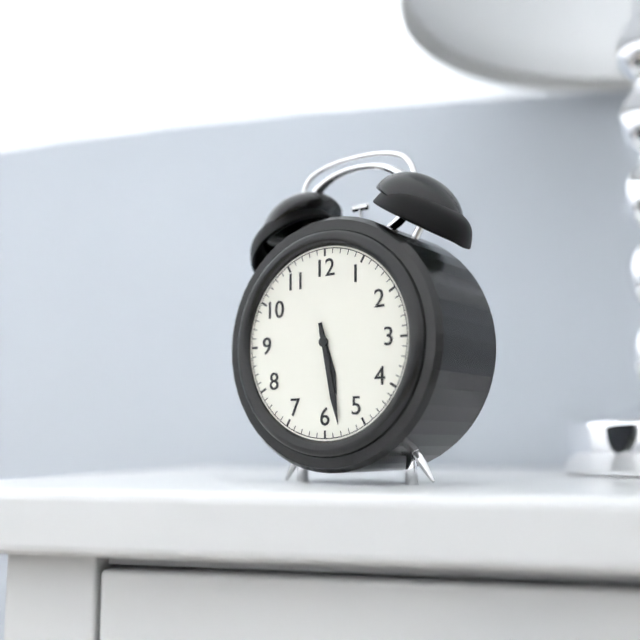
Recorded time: 5.28
